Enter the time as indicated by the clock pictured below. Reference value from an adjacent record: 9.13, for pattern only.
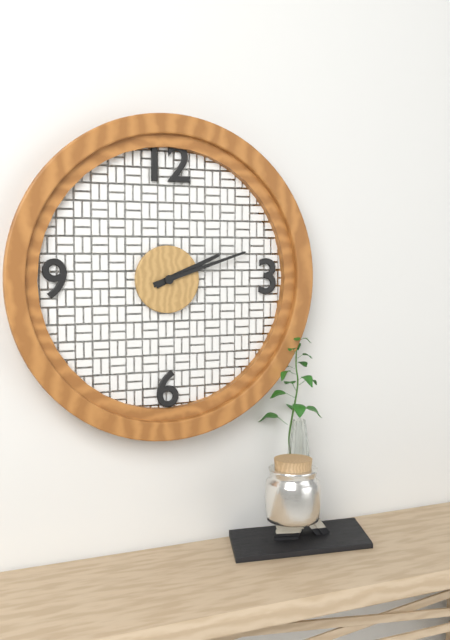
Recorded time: 2.12
